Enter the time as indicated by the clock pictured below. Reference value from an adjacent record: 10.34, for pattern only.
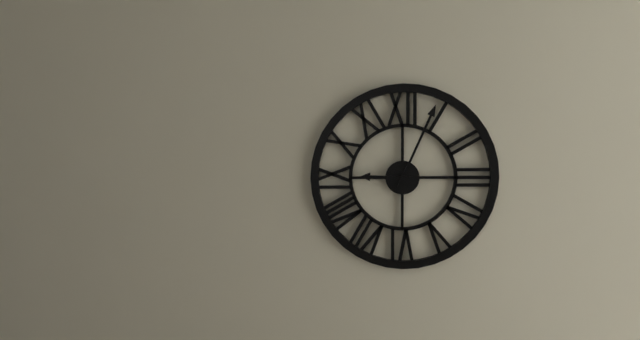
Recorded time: 9.04
